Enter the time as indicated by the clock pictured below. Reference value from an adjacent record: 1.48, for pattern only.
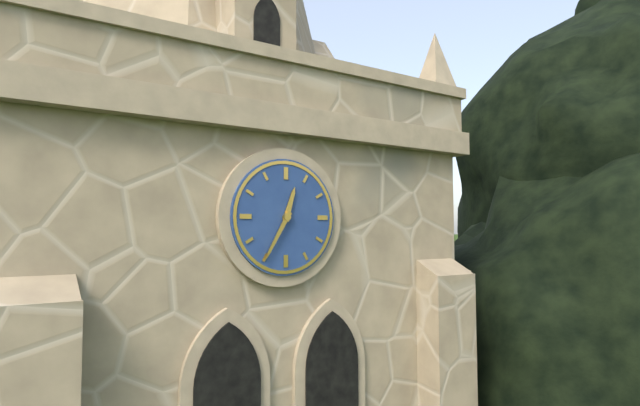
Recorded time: 12.35
